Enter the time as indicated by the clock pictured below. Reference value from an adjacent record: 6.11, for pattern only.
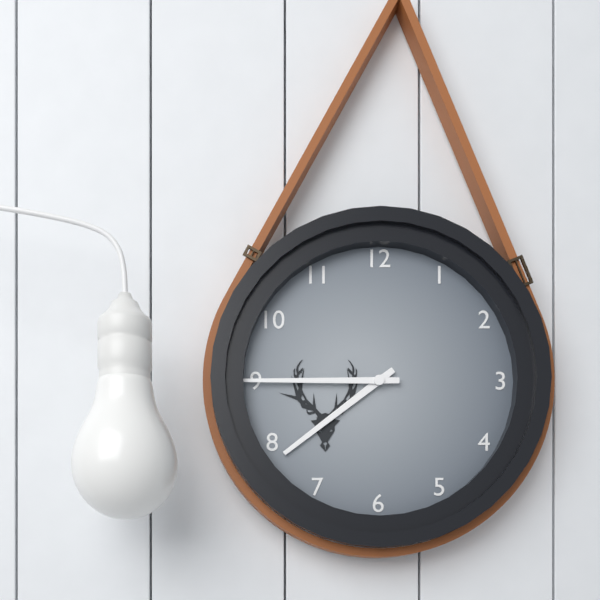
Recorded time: 7.45
